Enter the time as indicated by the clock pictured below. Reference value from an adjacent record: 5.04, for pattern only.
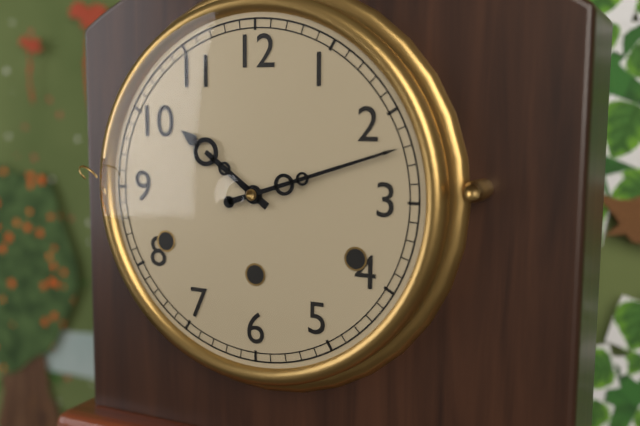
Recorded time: 10.12
